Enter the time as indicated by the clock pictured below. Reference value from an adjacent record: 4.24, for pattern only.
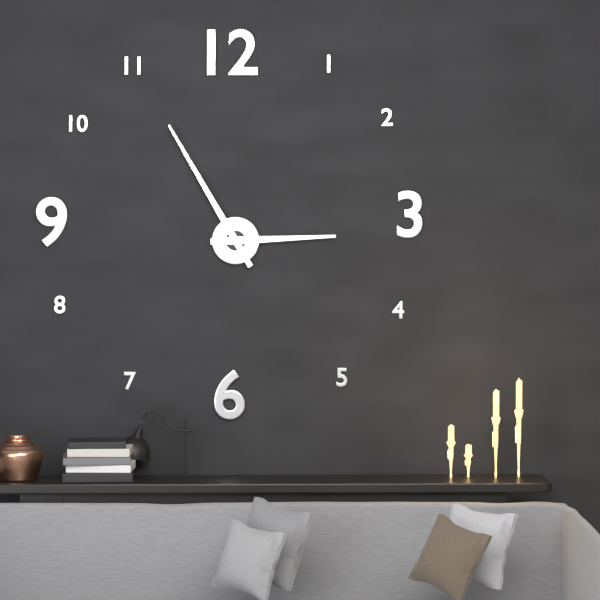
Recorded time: 2.55
